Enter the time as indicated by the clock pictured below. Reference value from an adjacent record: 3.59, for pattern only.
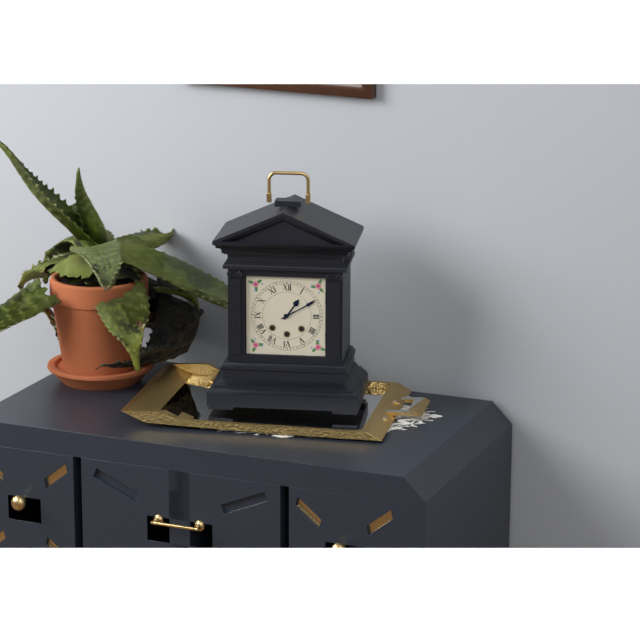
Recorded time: 1.10
